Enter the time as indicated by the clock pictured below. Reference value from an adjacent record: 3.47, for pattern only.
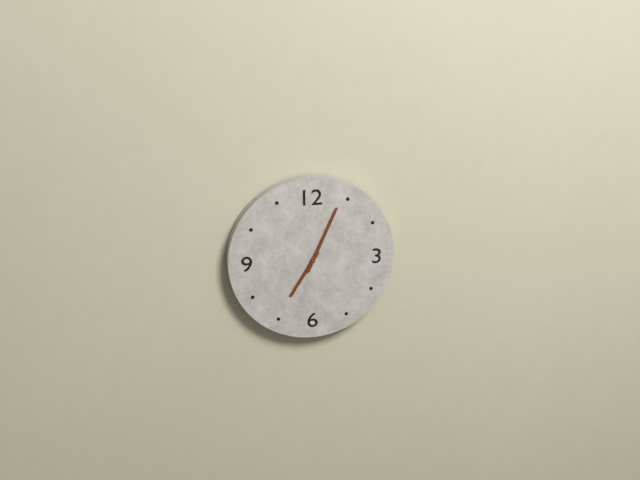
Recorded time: 7.04
